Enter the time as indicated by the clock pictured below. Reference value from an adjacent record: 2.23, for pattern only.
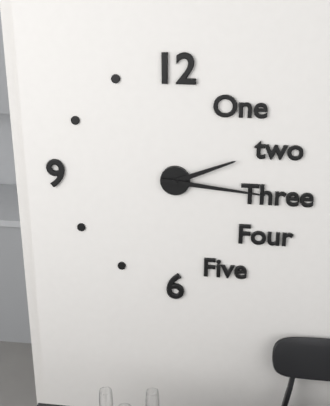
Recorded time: 2.16
